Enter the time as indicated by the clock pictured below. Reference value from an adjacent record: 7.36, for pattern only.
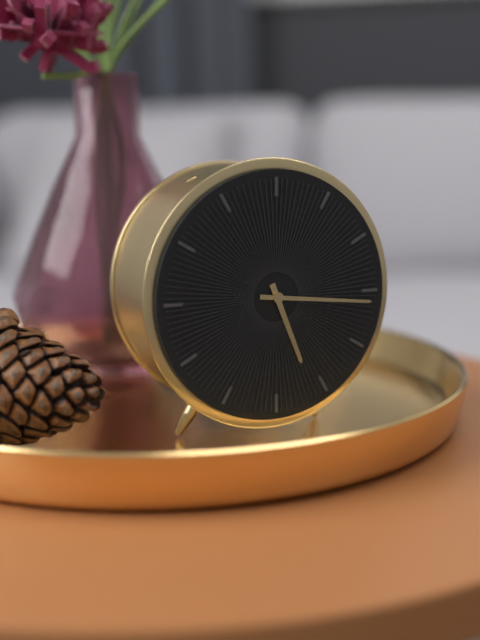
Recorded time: 5.16
